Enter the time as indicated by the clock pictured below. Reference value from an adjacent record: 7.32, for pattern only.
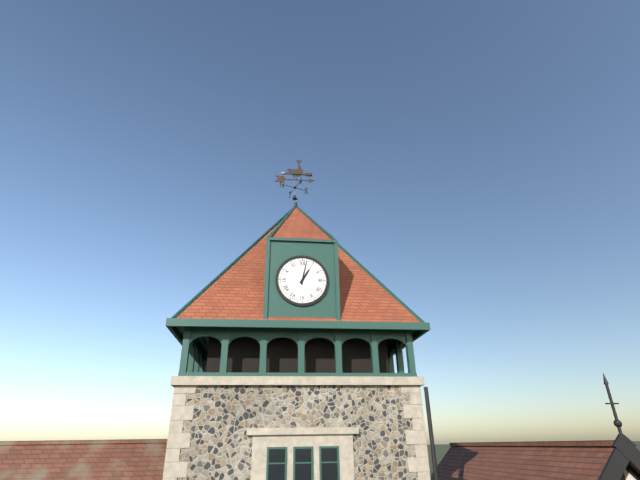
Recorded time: 1.02
